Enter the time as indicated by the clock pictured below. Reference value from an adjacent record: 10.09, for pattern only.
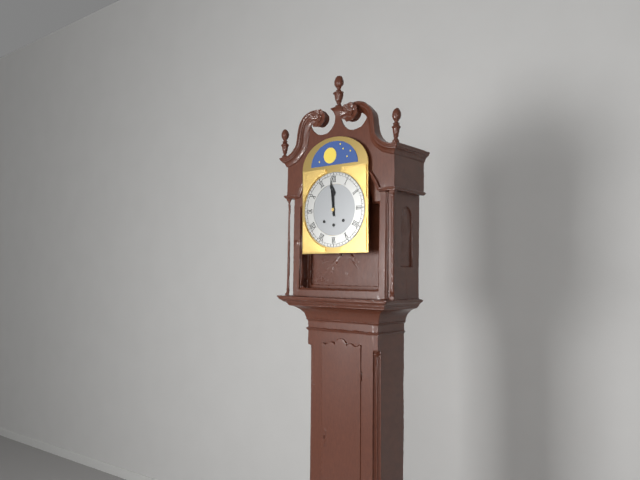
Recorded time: 11.59
